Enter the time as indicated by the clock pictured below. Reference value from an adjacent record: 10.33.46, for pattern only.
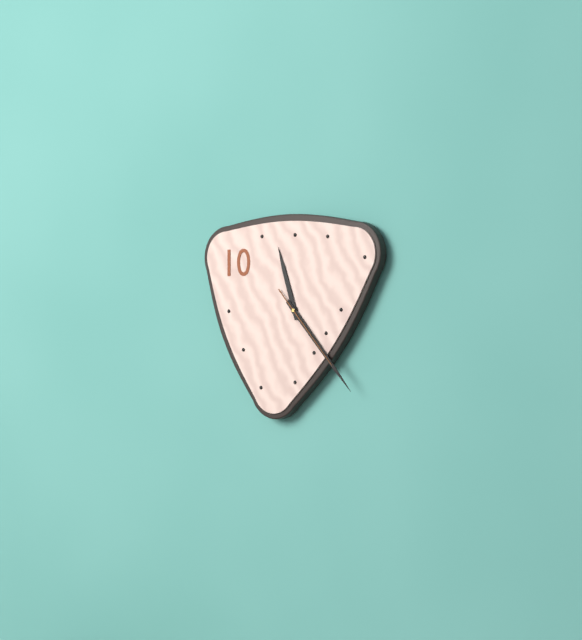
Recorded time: 11.23.23
